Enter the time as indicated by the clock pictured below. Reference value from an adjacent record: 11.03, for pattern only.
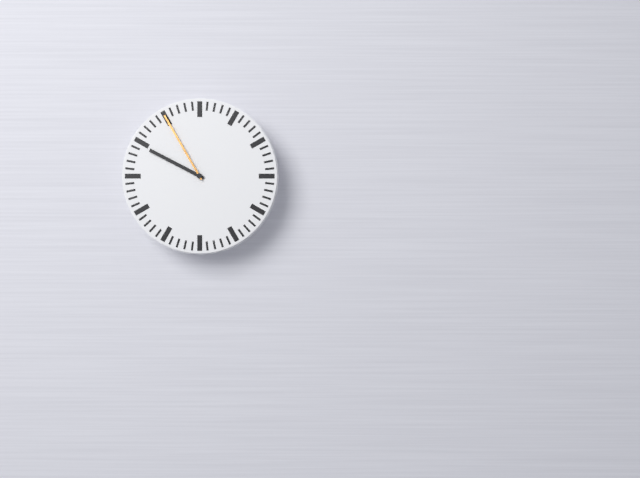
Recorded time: 9.55
